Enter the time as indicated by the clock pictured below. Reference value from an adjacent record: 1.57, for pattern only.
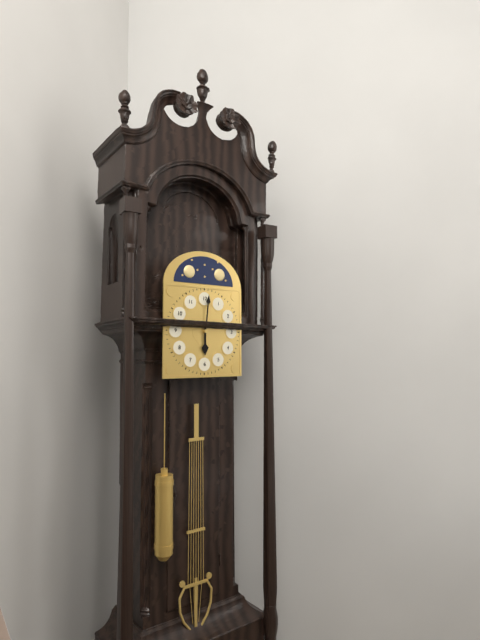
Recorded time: 6.01
